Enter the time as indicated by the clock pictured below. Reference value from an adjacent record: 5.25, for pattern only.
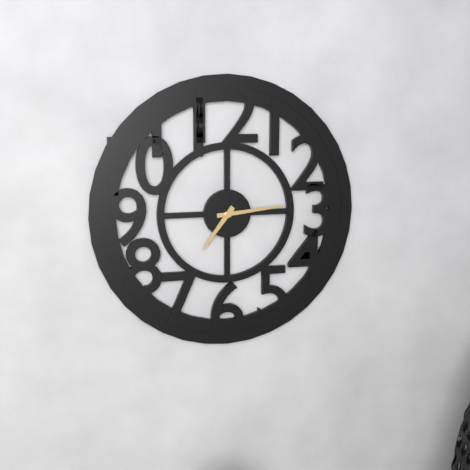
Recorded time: 7.14
